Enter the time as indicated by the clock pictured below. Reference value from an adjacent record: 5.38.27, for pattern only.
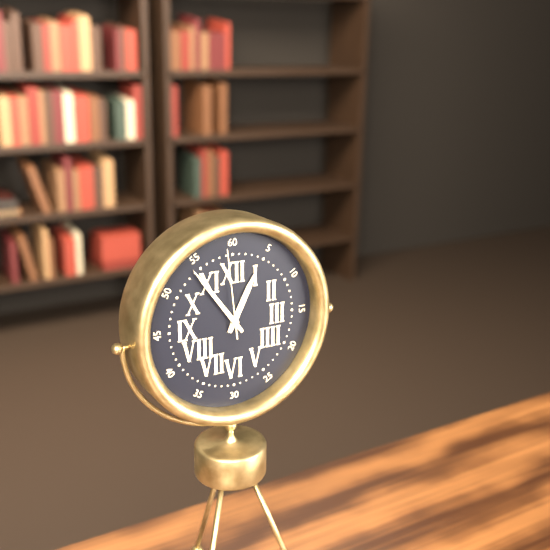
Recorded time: 12.54.59
